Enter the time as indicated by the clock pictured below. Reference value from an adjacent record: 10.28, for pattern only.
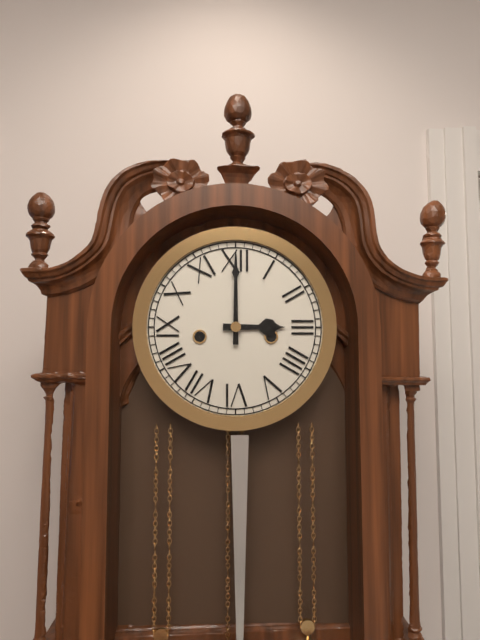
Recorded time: 3.00
